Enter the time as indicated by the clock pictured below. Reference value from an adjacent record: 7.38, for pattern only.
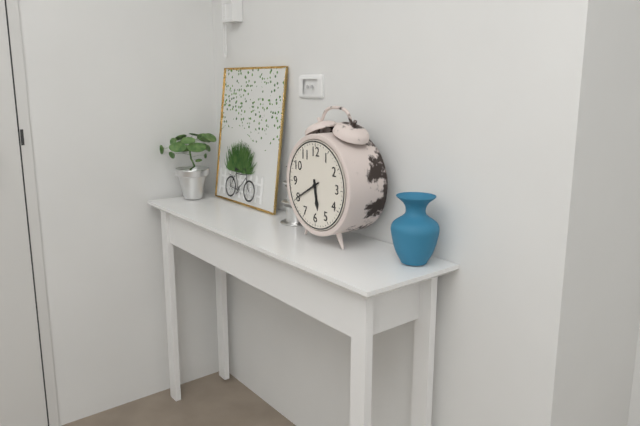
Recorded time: 5.40
